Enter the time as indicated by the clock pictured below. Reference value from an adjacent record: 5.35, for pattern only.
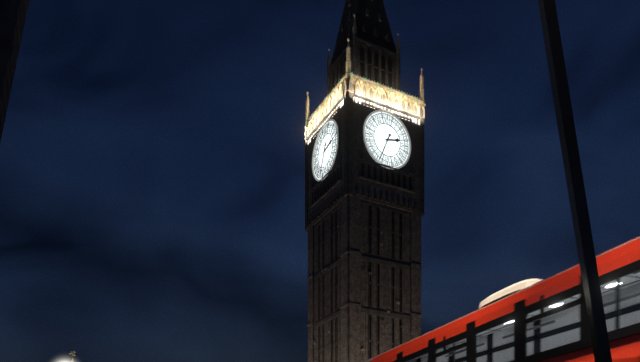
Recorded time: 2.34
